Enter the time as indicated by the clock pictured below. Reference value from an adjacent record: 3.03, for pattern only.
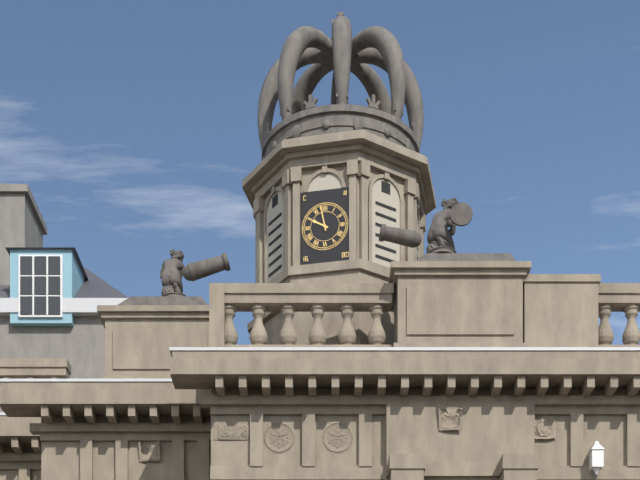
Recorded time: 9.58
